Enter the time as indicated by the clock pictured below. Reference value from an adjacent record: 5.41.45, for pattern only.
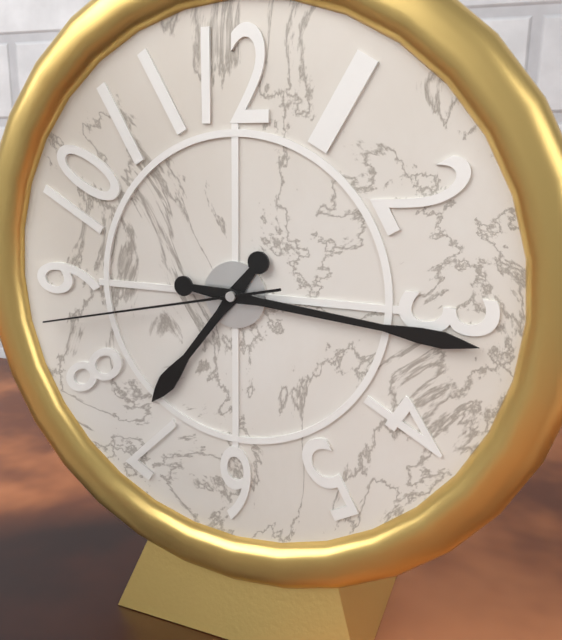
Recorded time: 7.16.43
